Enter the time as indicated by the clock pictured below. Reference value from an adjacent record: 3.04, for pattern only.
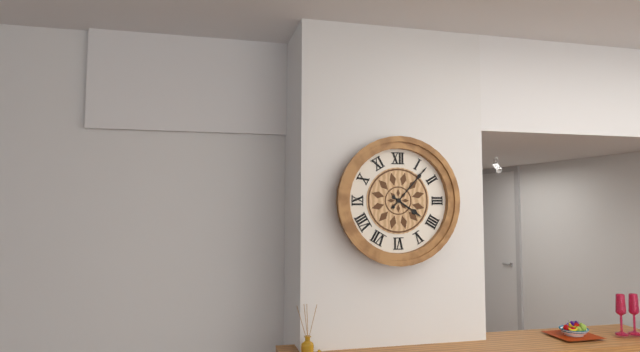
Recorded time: 4.07
